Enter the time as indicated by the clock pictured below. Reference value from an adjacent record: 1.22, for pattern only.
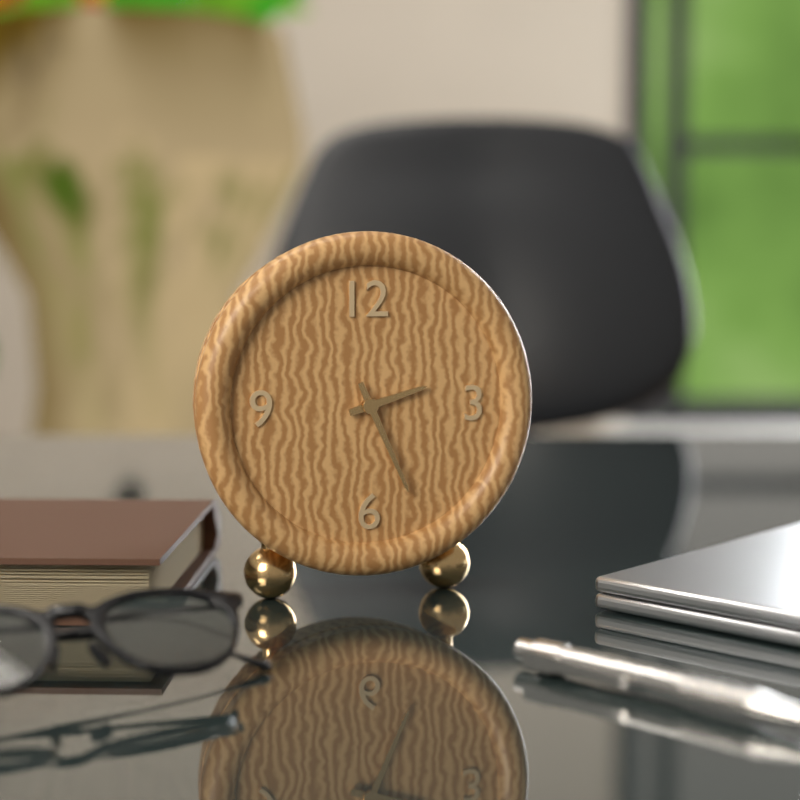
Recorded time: 2.26
